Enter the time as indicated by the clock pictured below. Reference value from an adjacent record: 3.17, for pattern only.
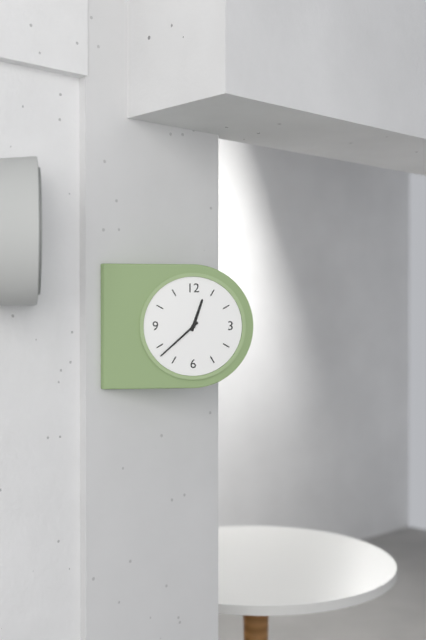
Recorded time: 12.38
